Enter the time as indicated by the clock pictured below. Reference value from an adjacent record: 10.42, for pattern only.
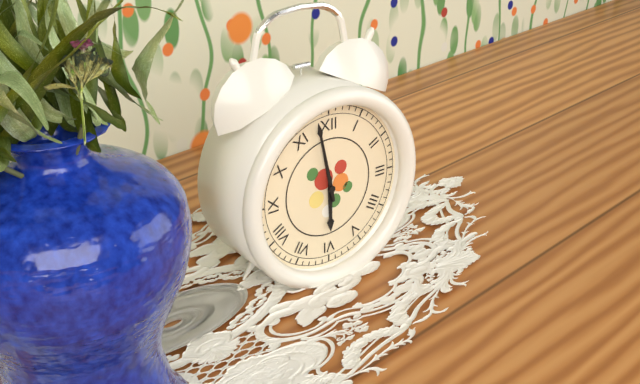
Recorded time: 5.58
